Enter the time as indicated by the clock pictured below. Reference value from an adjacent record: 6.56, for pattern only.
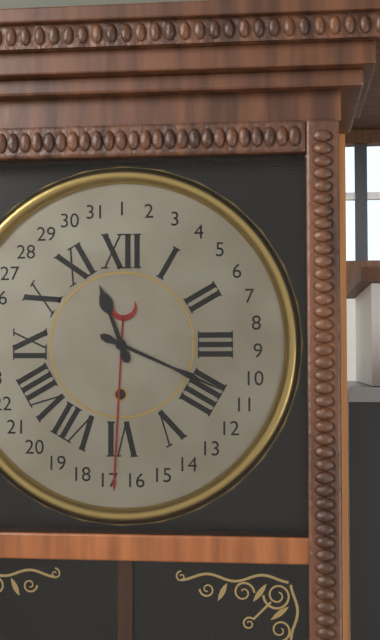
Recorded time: 11.19
